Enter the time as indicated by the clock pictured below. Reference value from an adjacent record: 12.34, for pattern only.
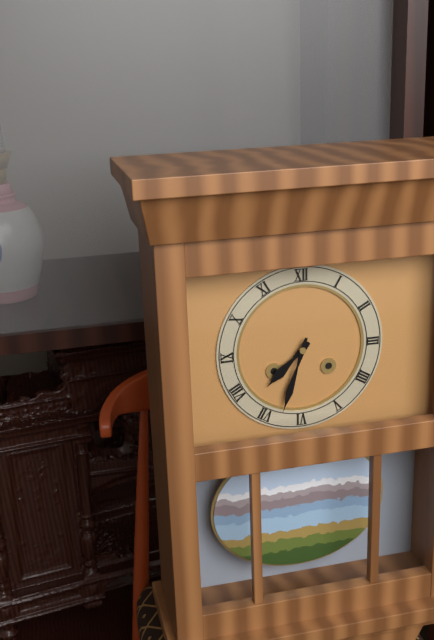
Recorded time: 7.33
